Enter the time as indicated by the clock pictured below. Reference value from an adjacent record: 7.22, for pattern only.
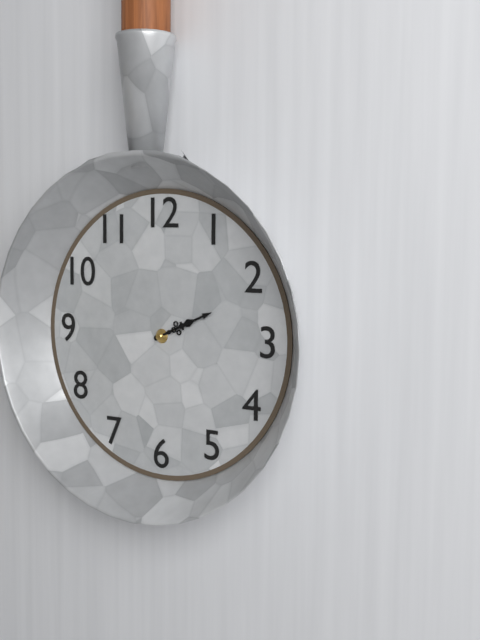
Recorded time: 2.11
